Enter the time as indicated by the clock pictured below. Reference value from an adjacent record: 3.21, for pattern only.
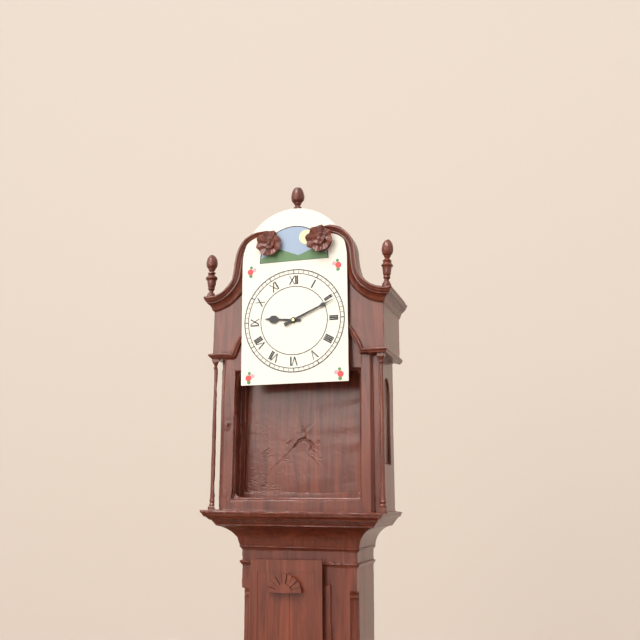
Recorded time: 9.11
